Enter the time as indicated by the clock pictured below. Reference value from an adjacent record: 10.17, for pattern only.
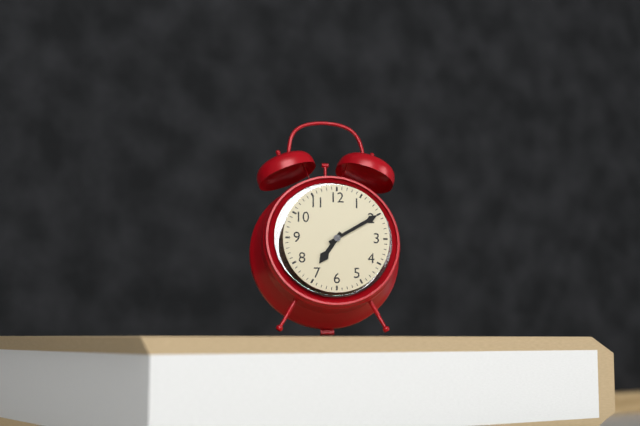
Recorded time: 7.10
